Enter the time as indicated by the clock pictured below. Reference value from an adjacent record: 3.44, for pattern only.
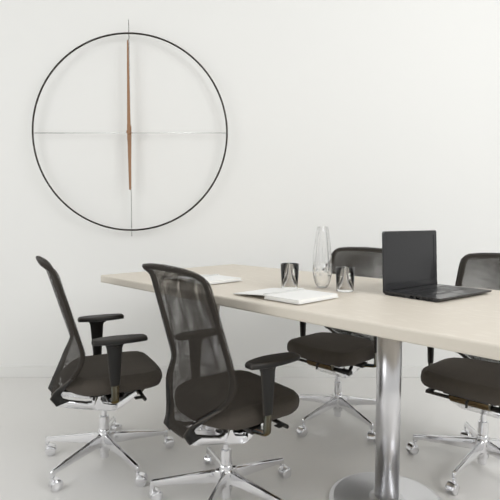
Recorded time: 6.00
